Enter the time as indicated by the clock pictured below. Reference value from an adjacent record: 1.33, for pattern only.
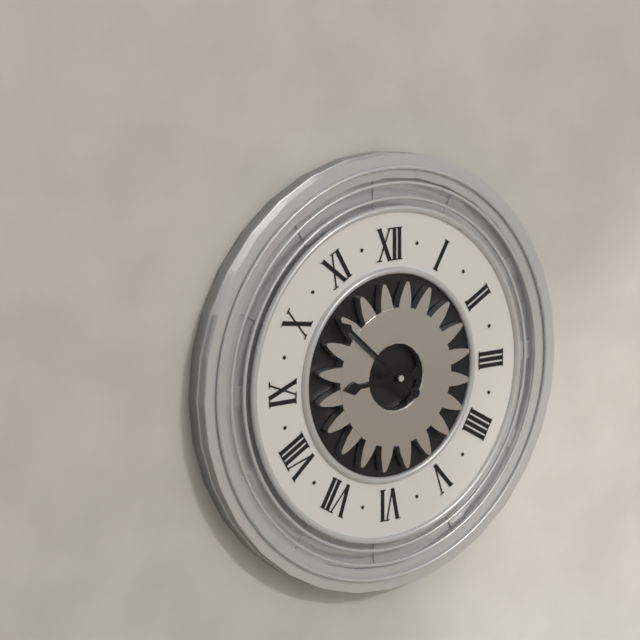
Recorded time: 8.52
